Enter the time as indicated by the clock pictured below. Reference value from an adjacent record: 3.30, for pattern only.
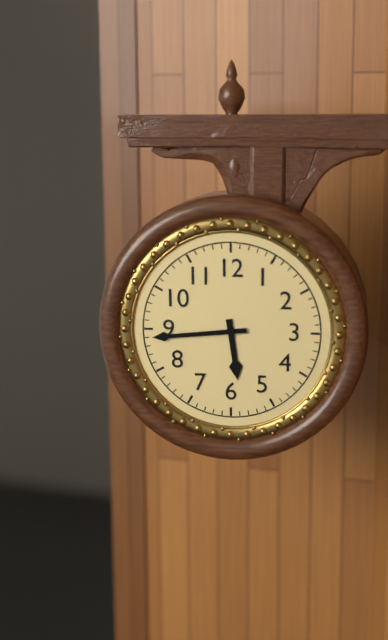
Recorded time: 5.44
